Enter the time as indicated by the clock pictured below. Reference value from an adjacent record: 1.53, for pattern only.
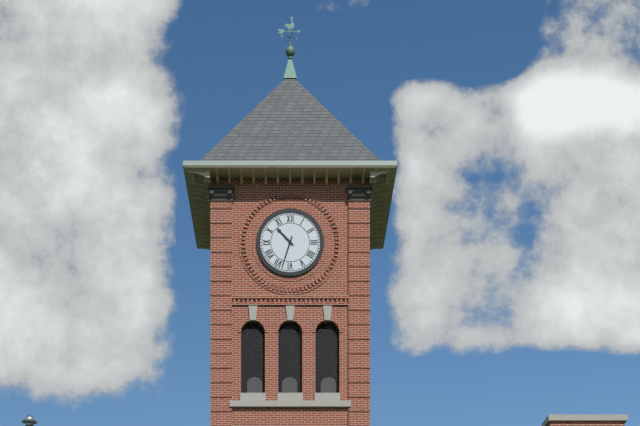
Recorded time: 10.33
